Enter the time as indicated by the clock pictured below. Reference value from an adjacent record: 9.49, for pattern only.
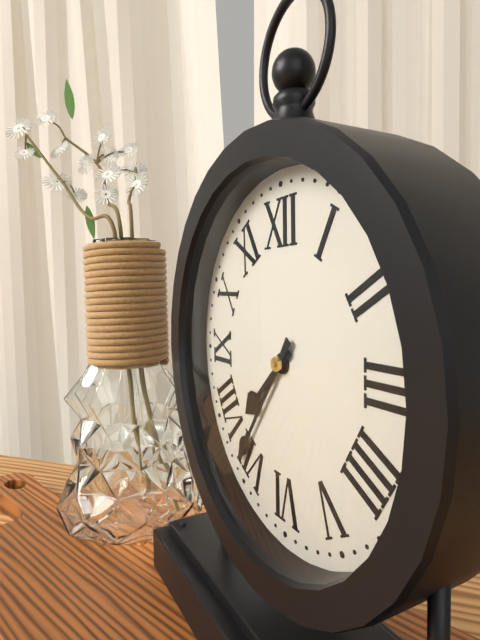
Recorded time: 7.36
